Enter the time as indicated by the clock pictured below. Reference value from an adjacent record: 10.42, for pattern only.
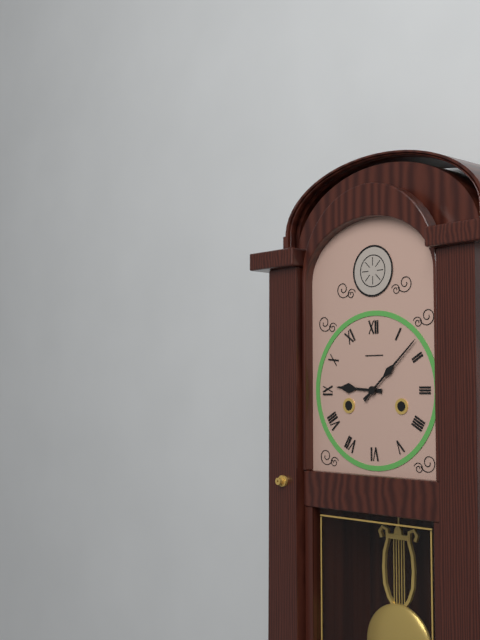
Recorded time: 9.08
